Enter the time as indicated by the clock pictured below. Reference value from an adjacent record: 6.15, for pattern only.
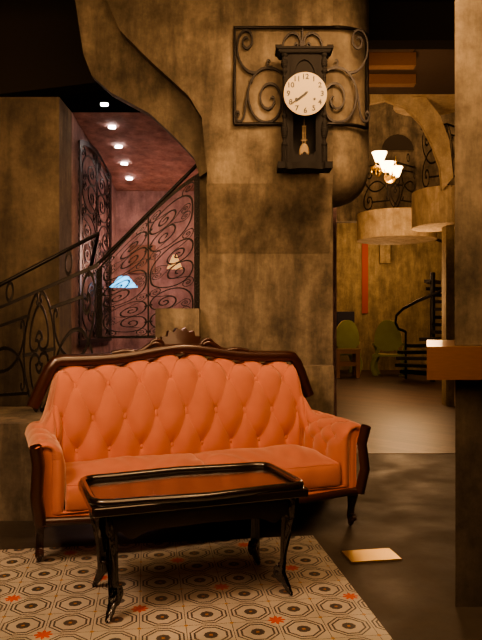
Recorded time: 7.39
